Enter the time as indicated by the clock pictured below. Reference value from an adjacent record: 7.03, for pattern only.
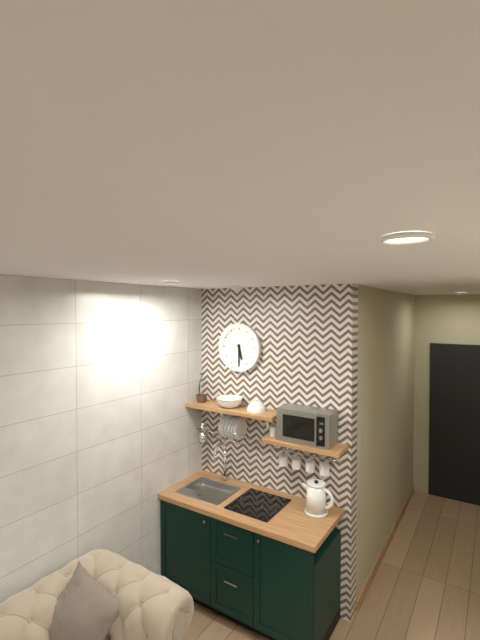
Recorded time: 5.30
